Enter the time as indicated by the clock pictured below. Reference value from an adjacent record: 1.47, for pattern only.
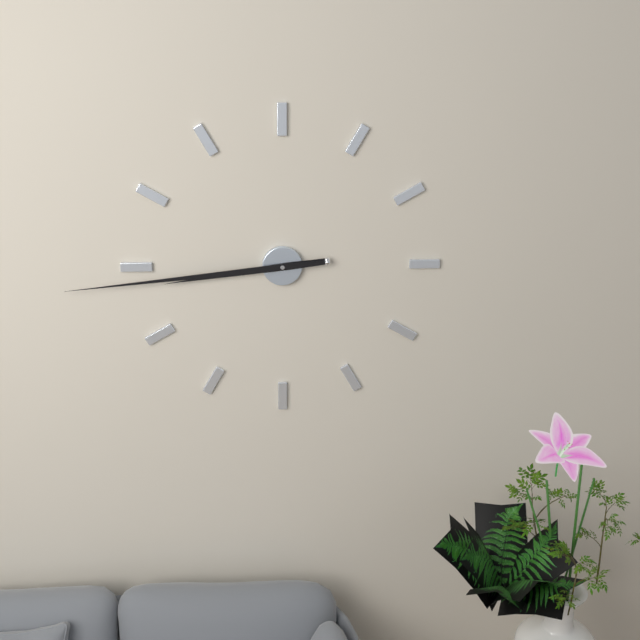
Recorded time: 8.44
